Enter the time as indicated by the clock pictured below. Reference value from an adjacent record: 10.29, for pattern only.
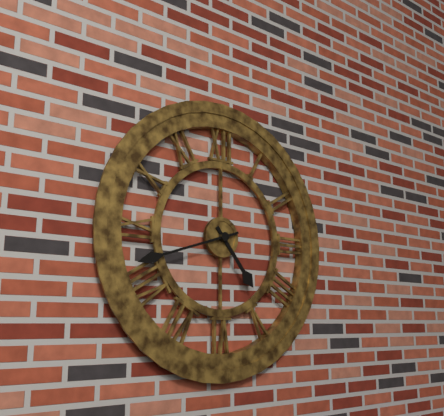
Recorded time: 4.42
